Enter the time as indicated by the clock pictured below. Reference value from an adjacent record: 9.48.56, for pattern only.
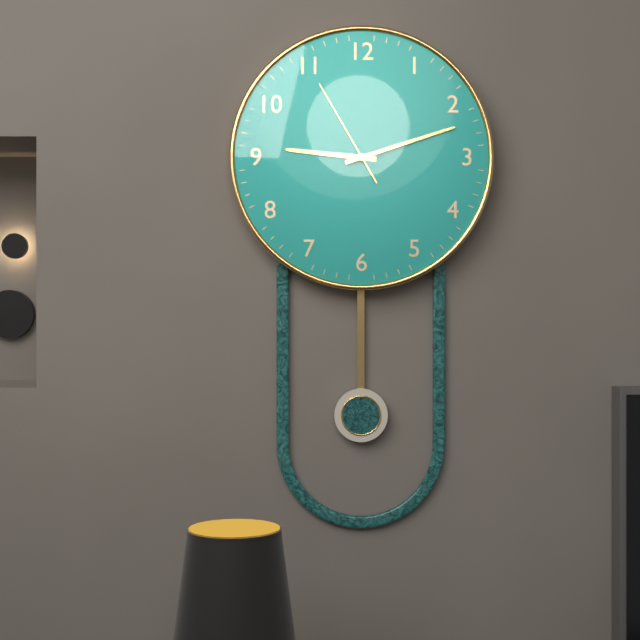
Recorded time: 9.12.55
